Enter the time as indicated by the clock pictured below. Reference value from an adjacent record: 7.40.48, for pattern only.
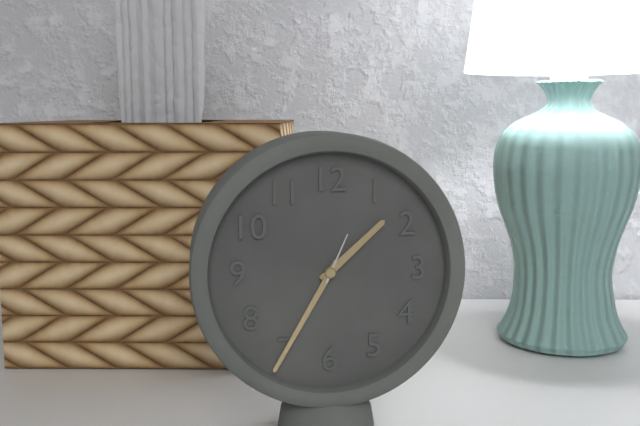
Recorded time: 1.35.04
